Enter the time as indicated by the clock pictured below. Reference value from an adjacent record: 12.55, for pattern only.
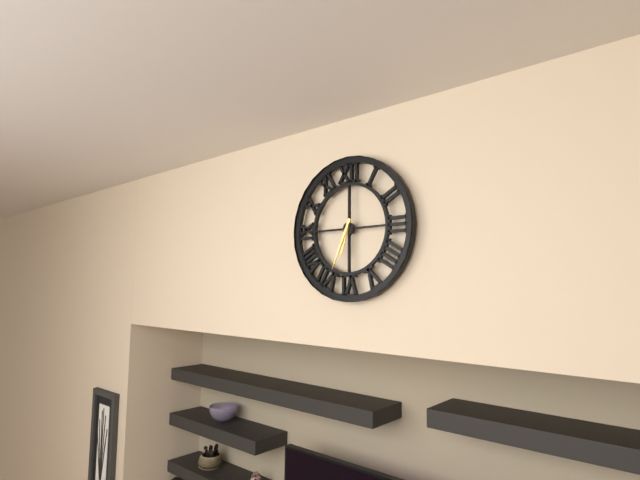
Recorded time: 6.34
